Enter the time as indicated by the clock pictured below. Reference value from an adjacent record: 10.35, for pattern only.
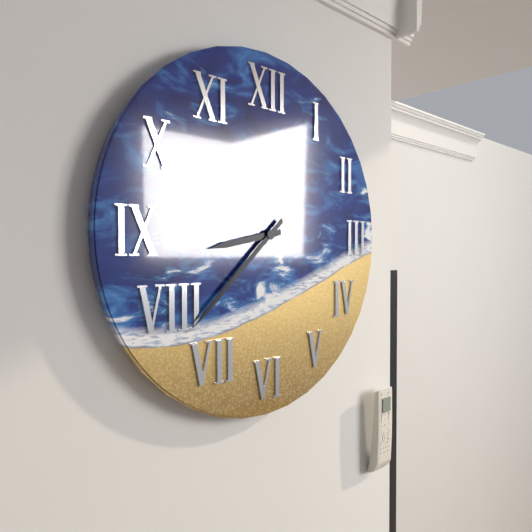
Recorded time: 8.38
